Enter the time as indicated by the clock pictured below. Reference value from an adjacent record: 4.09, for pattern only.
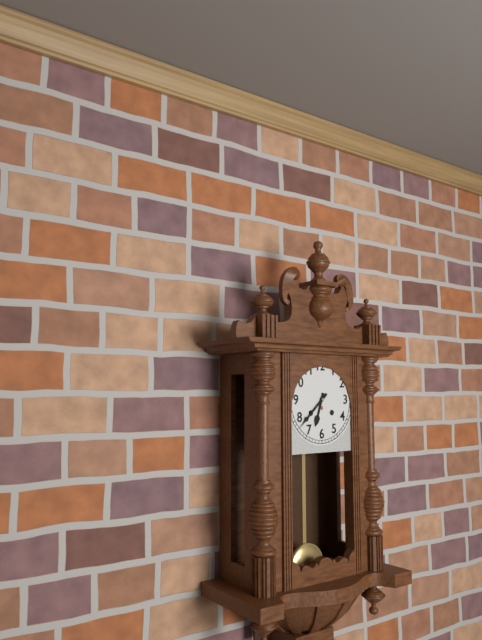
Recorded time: 6.38
